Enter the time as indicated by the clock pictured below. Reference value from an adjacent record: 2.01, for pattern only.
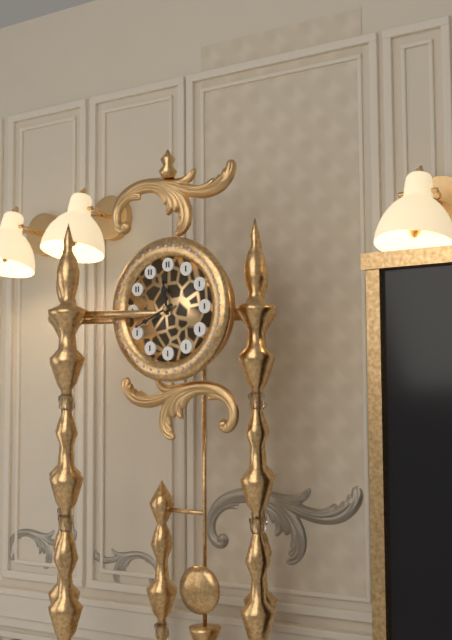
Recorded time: 11.41
